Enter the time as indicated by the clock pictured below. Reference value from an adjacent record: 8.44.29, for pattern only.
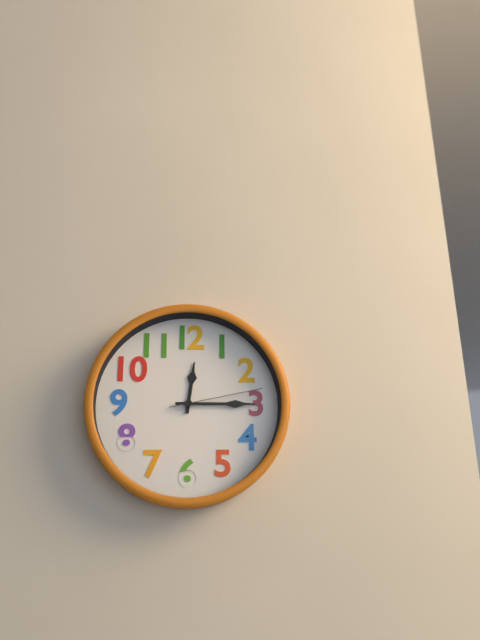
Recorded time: 12.15.13
